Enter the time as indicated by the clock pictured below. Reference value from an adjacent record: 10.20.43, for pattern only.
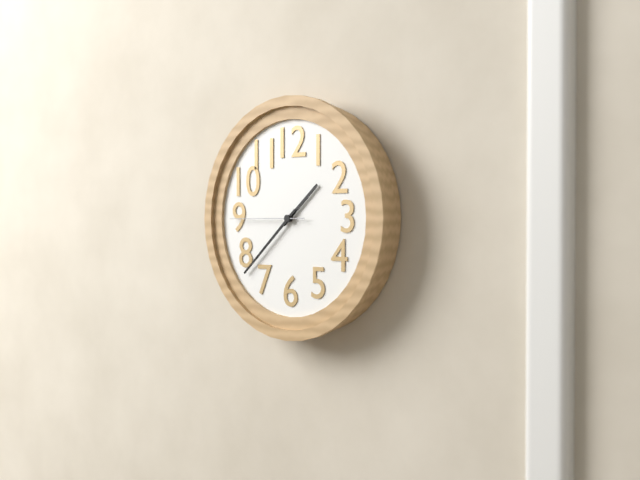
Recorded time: 1.38.45
